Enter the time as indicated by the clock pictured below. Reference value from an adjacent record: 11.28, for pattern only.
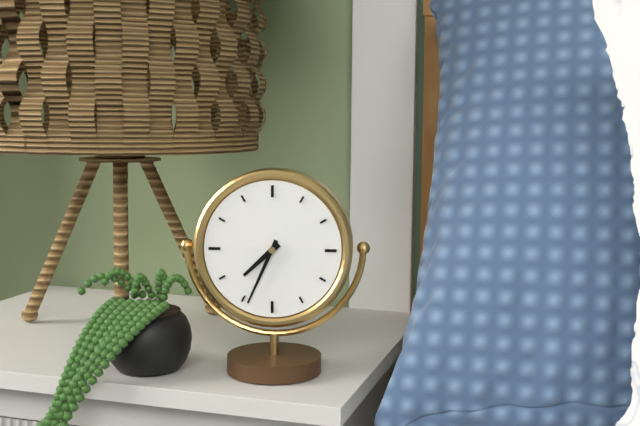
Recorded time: 7.34
